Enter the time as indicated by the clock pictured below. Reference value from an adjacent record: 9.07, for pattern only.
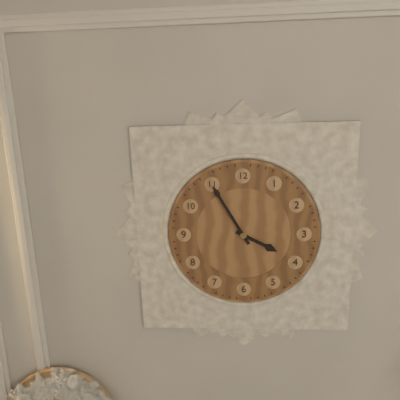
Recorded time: 3.55
